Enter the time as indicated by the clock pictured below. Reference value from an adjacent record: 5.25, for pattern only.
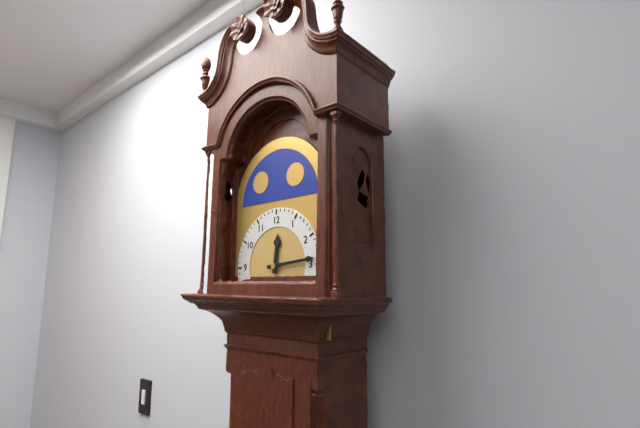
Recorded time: 12.14
